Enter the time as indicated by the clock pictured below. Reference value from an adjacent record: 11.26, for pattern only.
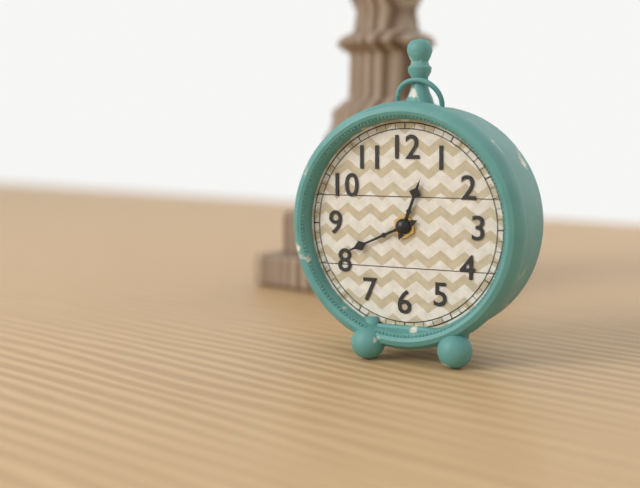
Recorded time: 12.41
